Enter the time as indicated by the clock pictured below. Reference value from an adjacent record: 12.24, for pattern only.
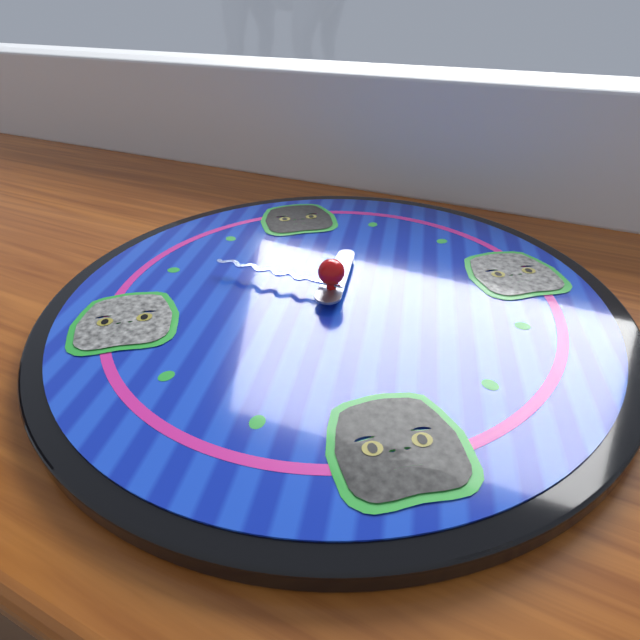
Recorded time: 12.51
